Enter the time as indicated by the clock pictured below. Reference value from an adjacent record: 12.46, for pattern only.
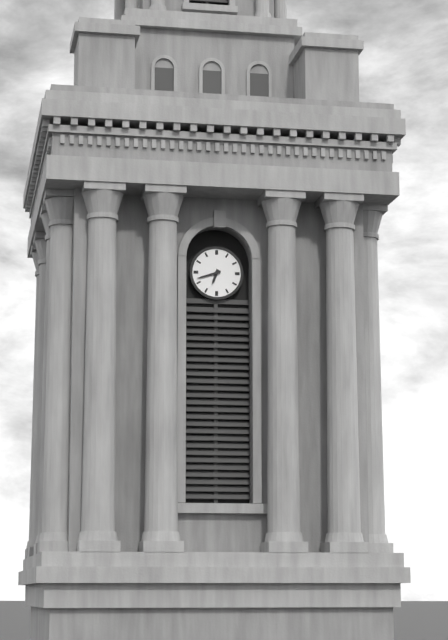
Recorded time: 6.42
